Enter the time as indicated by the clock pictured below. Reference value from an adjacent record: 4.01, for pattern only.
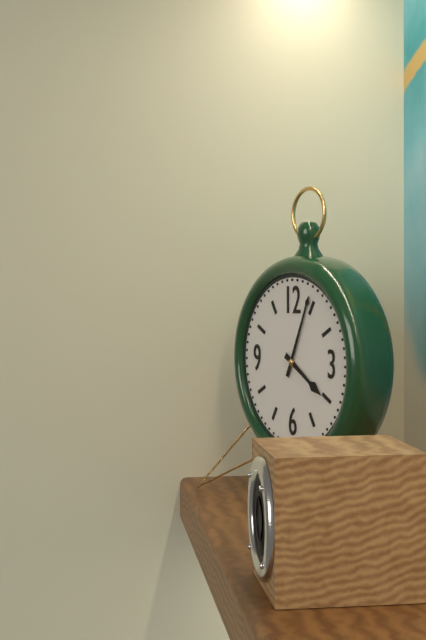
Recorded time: 4.04
